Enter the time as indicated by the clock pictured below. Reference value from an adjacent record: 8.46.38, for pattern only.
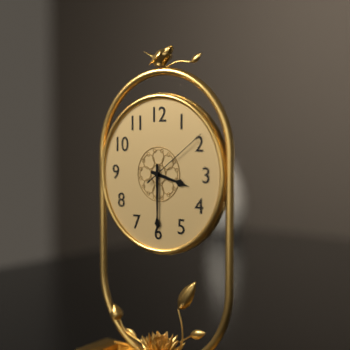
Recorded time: 3.30.09
